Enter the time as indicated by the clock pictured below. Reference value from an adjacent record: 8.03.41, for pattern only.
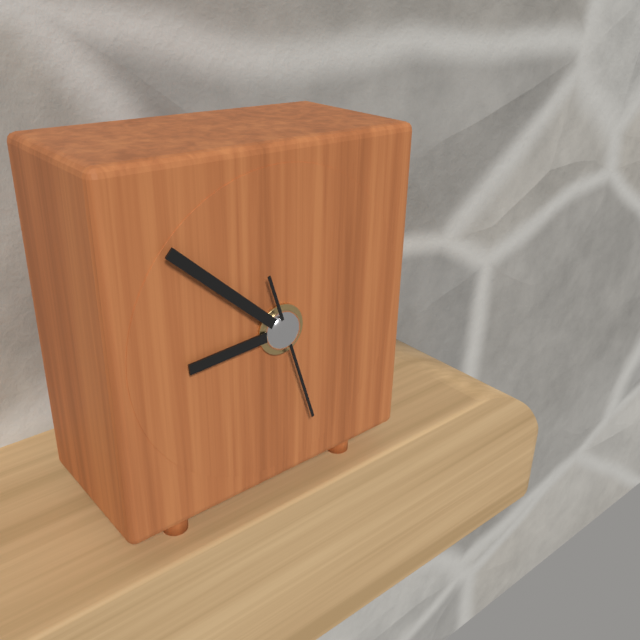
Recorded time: 8.52.27
